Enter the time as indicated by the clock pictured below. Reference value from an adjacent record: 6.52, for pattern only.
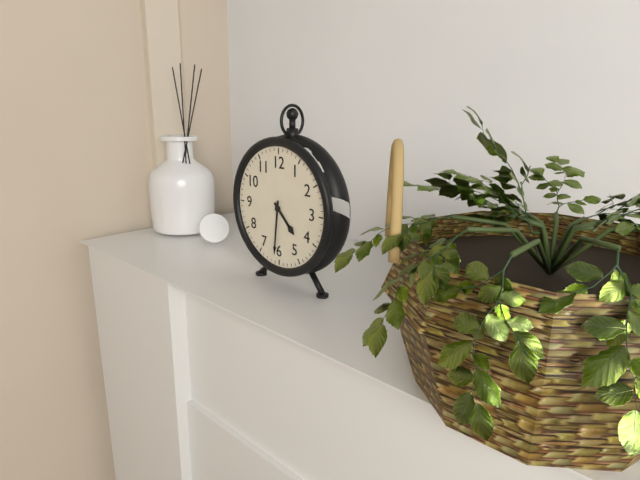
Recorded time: 4.31
